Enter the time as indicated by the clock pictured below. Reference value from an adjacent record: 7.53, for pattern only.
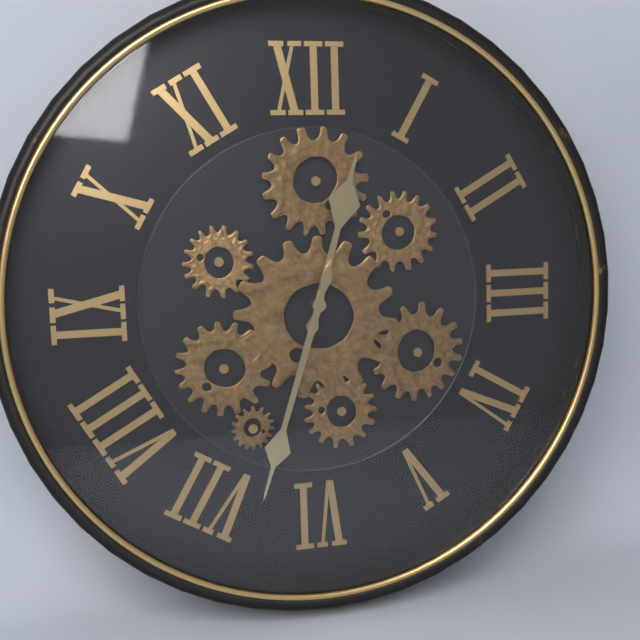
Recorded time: 12.33
